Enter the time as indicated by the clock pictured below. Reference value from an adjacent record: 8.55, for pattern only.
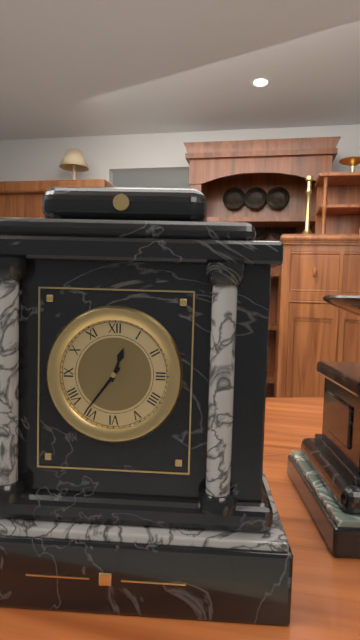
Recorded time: 12.36
